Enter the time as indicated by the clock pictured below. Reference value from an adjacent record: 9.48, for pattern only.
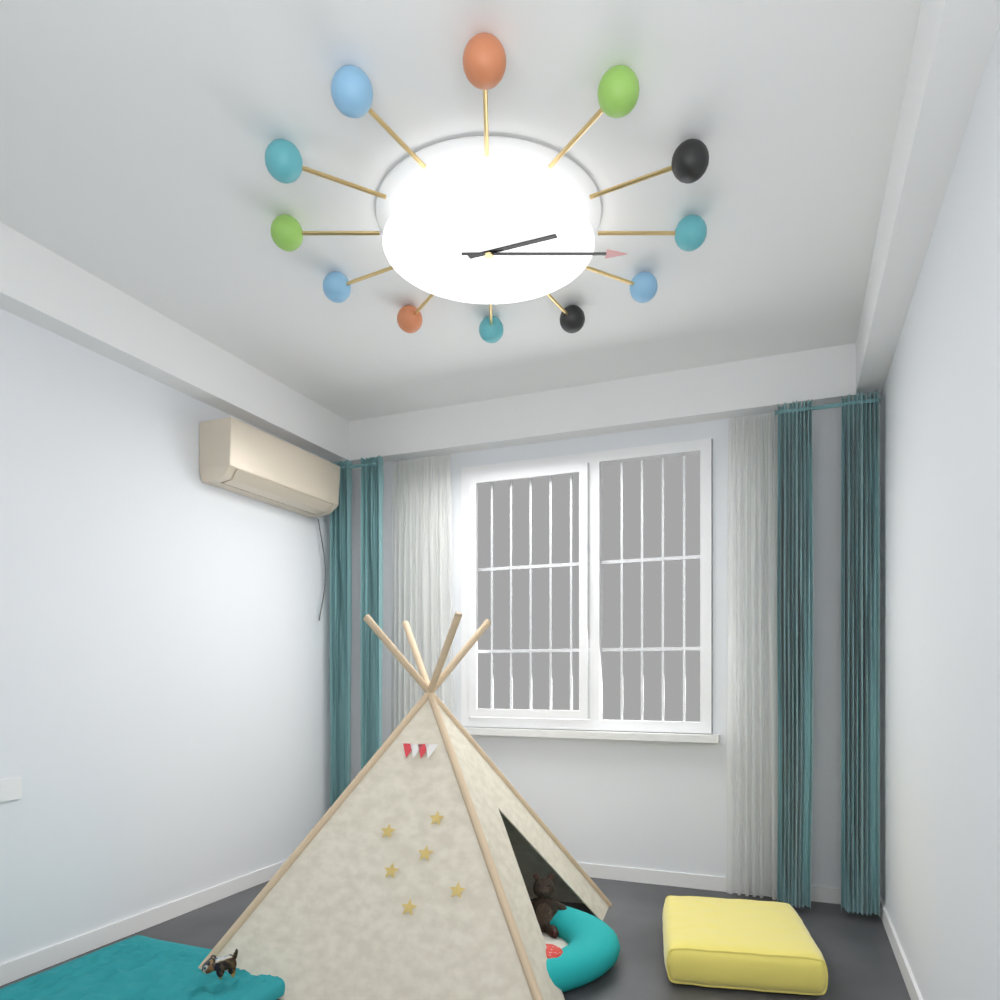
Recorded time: 2.15
